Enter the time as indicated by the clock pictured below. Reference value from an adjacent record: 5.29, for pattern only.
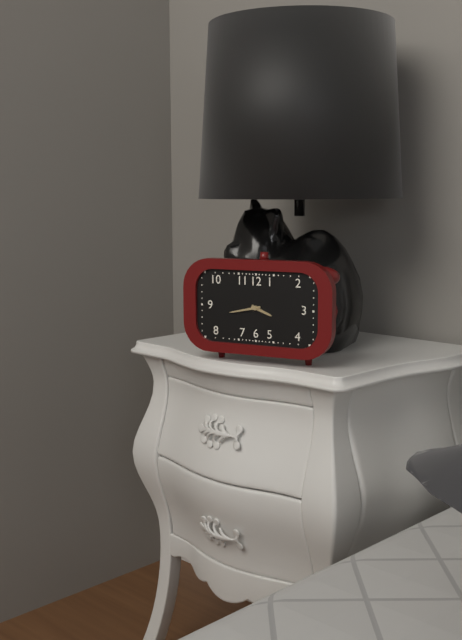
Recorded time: 3.43
